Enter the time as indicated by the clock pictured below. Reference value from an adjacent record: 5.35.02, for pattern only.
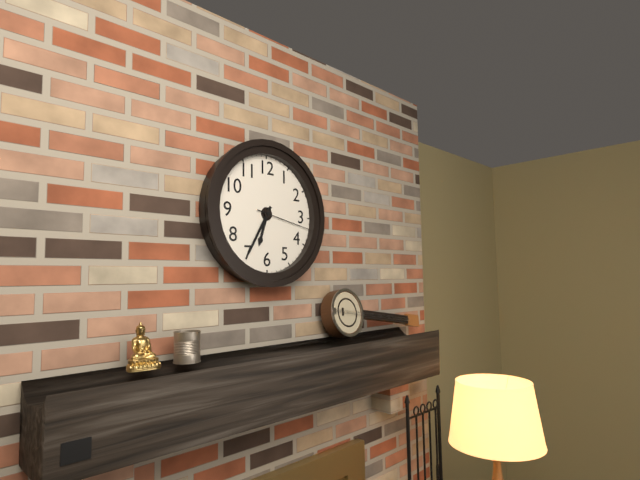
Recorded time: 6.35.17
